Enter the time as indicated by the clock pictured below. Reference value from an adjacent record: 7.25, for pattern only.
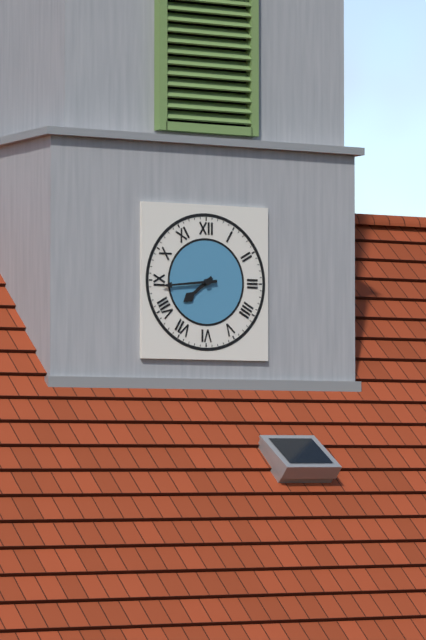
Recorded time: 7.44
